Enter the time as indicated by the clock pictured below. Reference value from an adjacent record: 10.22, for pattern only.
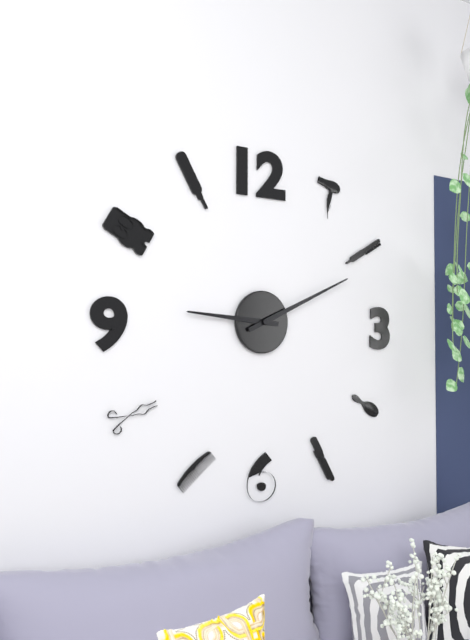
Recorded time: 9.11
